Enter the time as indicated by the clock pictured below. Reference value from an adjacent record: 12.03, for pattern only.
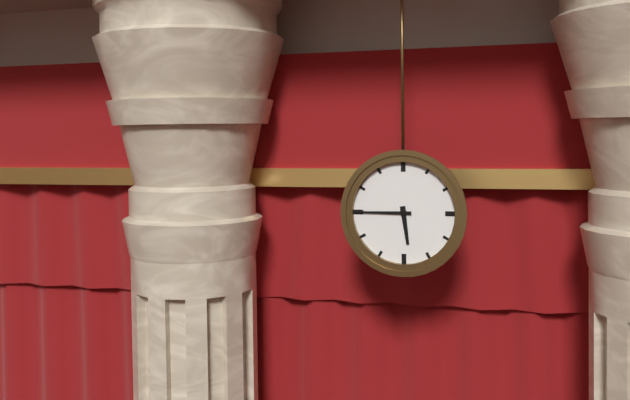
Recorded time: 5.45
